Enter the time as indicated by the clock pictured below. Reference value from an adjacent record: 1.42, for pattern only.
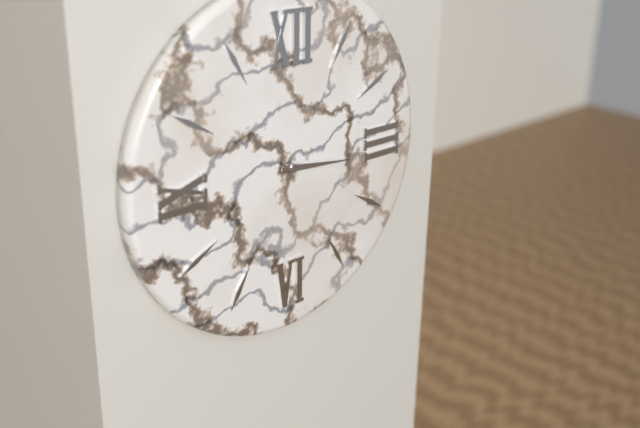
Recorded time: 3.16
